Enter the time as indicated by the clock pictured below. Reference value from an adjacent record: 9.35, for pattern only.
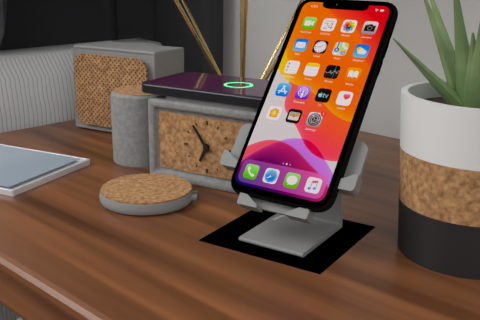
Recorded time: 6.54
